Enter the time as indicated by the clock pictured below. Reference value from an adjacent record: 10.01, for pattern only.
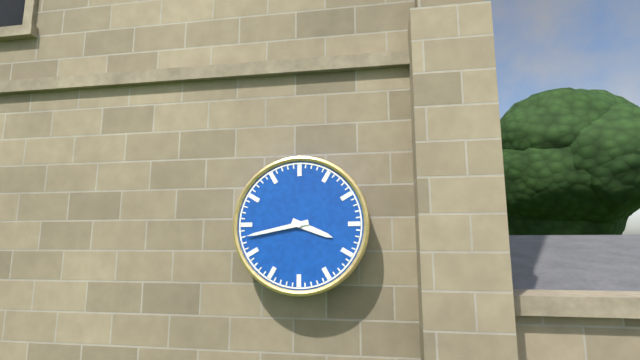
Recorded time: 3.43
